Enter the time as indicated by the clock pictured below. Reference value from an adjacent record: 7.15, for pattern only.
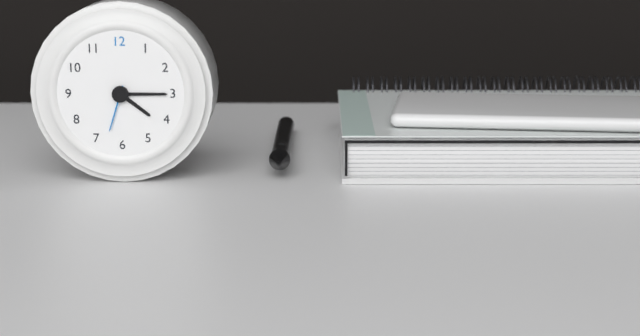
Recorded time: 4.15
